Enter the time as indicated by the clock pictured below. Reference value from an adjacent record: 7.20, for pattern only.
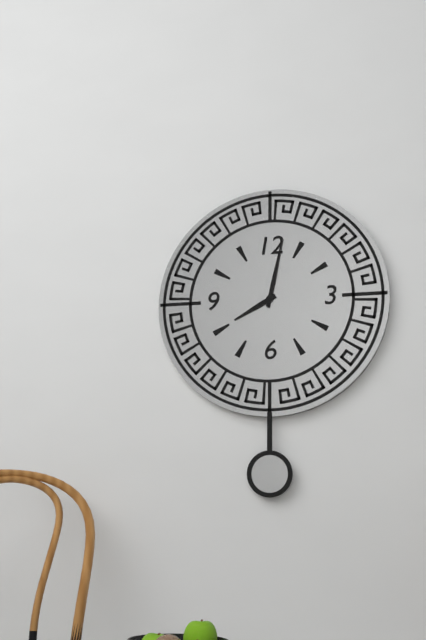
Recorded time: 8.02
